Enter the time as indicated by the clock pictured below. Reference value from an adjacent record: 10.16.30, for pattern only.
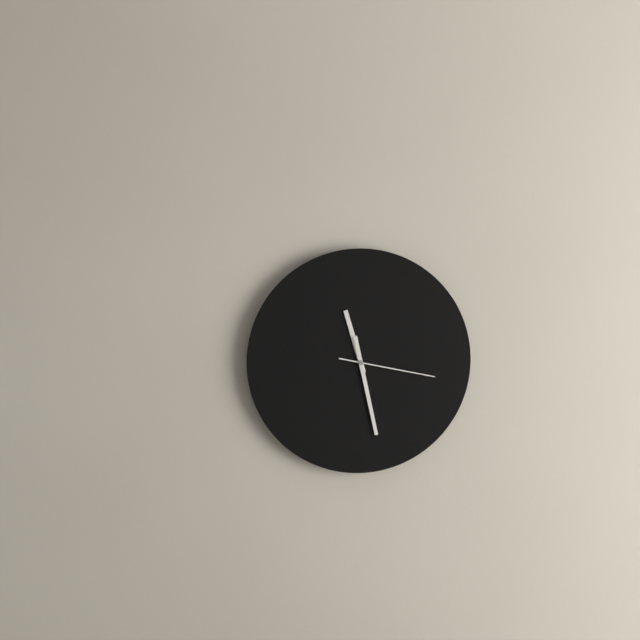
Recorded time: 11.28.17
